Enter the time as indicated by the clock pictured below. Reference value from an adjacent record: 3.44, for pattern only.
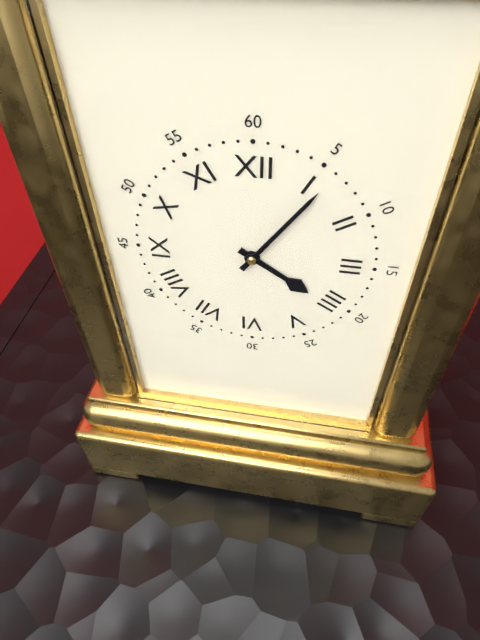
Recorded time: 4.06
